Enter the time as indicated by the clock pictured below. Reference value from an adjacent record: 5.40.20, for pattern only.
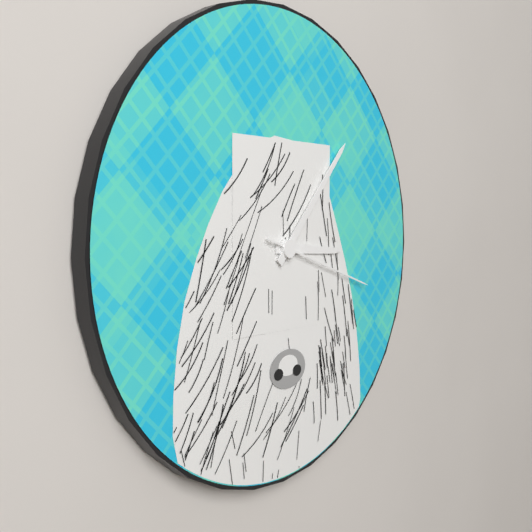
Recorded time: 3.07.18
